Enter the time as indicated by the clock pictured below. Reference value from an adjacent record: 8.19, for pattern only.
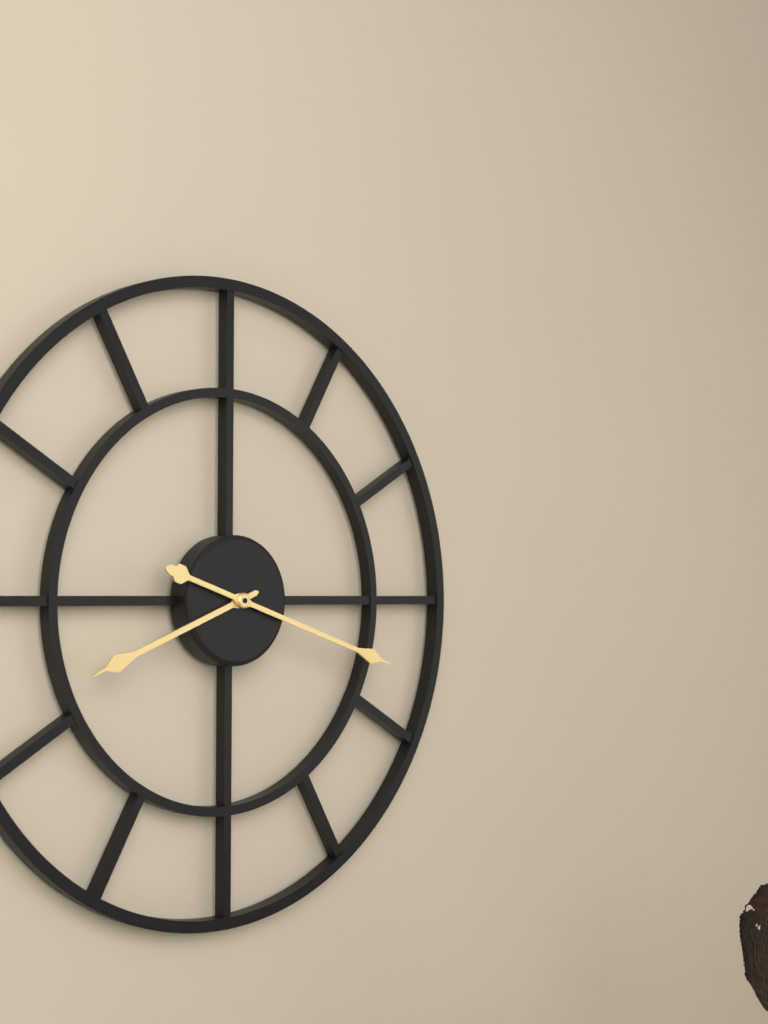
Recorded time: 8.18
